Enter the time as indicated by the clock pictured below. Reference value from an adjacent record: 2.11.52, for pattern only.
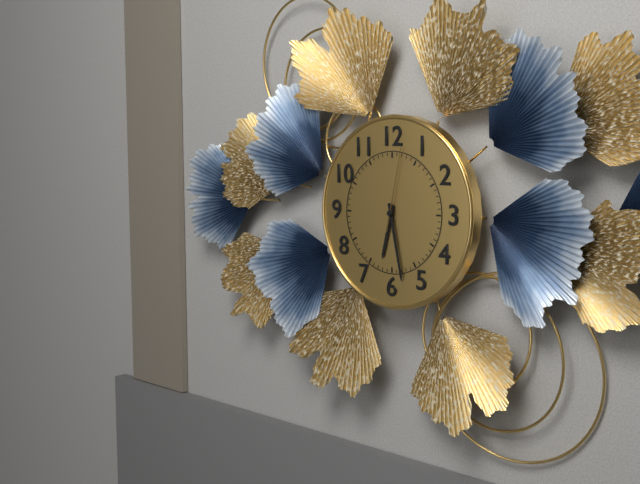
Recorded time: 6.28.02
